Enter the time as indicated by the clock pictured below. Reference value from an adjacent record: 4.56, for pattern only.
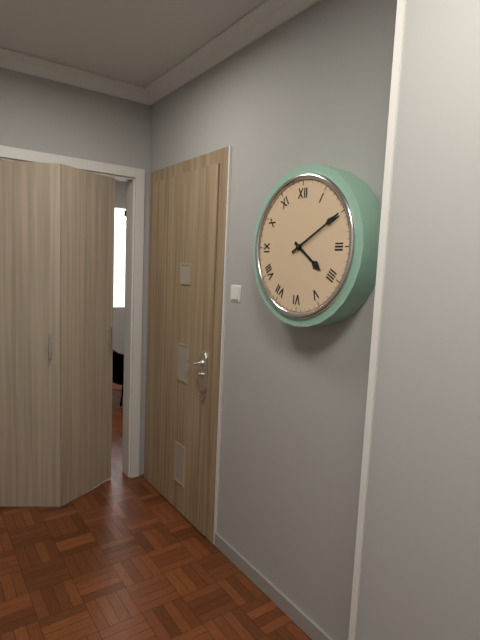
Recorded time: 4.10
